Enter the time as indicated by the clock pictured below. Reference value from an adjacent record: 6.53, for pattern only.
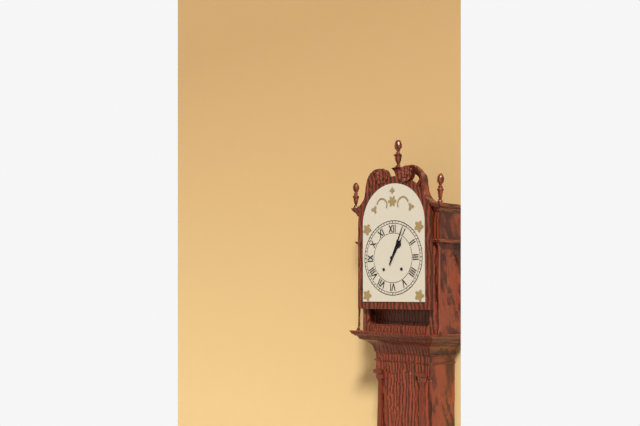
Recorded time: 1.04
